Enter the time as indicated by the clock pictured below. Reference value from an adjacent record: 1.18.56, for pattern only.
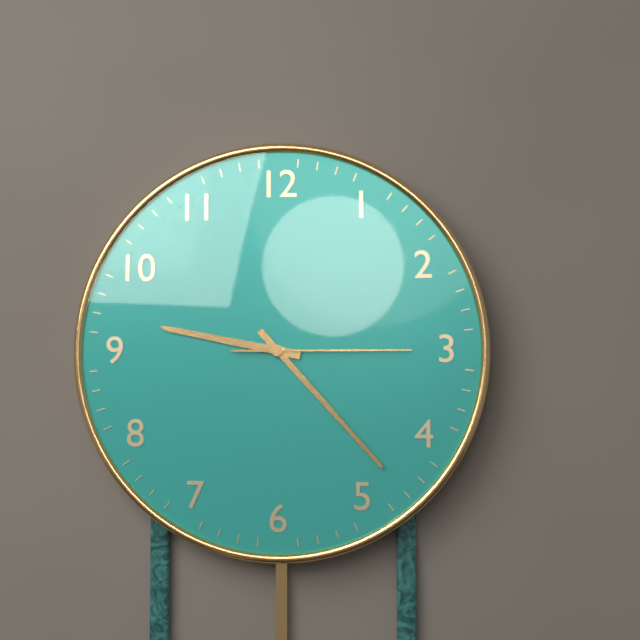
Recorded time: 9.23.15
